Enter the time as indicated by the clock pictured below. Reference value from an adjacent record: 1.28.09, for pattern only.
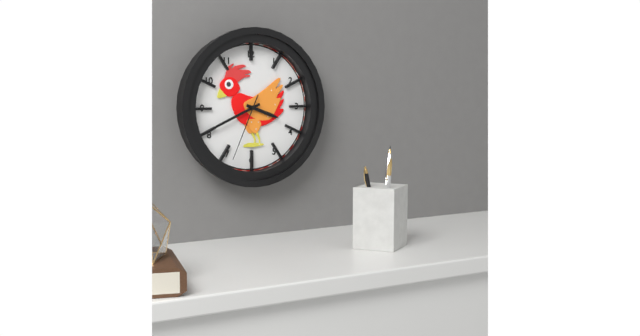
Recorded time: 3.41.34
